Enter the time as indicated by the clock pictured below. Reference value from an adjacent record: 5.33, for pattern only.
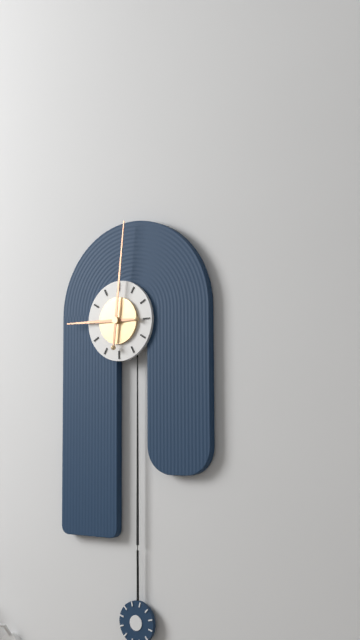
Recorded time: 9.01
